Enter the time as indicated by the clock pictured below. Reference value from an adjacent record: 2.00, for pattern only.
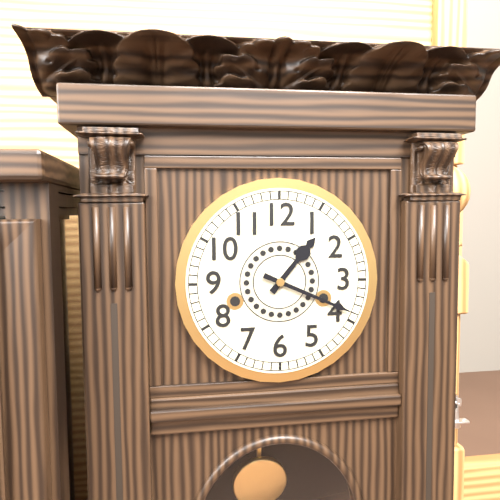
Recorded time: 1.19
